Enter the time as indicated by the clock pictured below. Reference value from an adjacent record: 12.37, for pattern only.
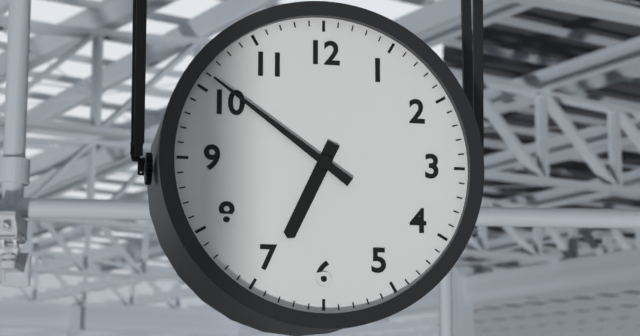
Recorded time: 6.51
